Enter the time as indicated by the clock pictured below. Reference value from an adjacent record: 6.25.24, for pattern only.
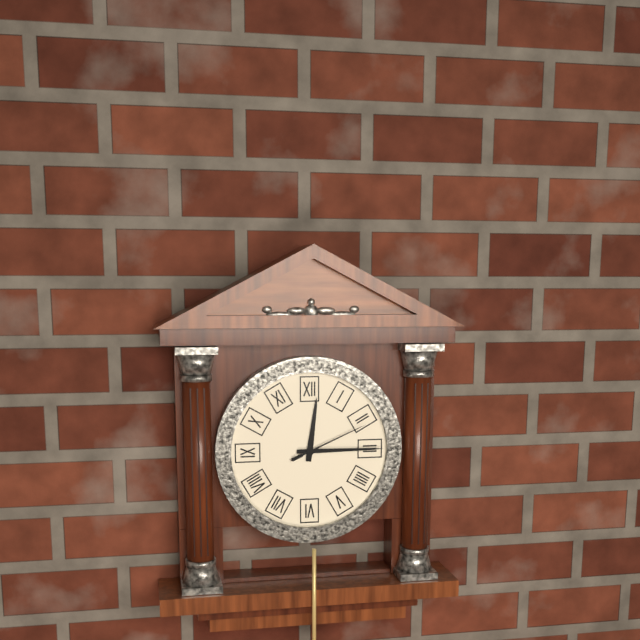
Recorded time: 12.15.11
